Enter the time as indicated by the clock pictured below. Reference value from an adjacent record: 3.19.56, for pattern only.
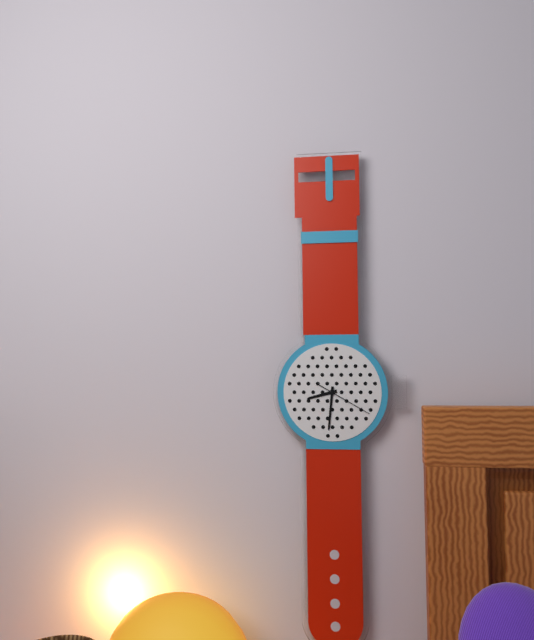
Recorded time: 8.31.20
